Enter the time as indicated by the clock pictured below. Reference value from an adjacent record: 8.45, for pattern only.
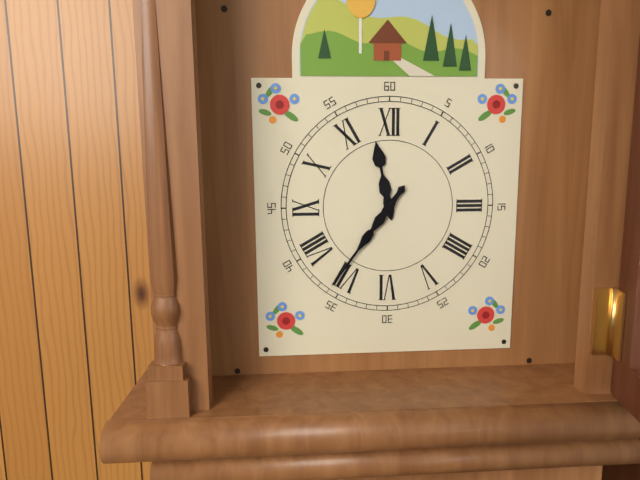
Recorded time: 11.36
